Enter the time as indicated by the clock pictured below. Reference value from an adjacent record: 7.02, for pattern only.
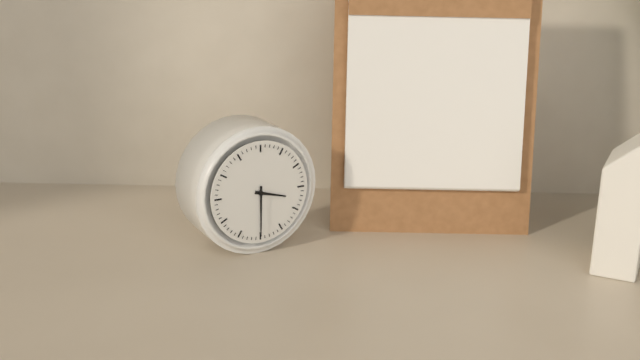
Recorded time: 3.30
